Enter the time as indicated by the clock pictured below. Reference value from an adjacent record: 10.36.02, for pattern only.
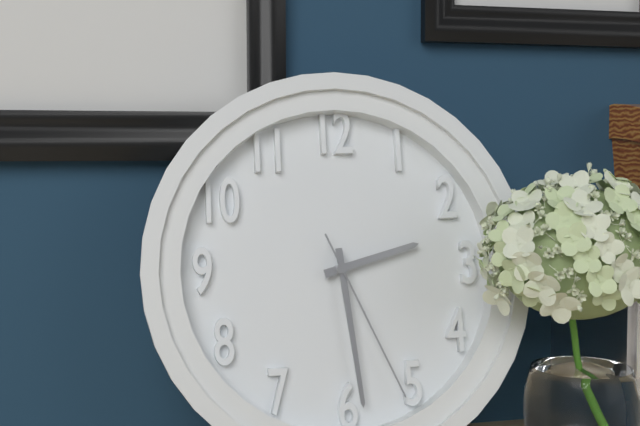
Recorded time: 2.29.26
